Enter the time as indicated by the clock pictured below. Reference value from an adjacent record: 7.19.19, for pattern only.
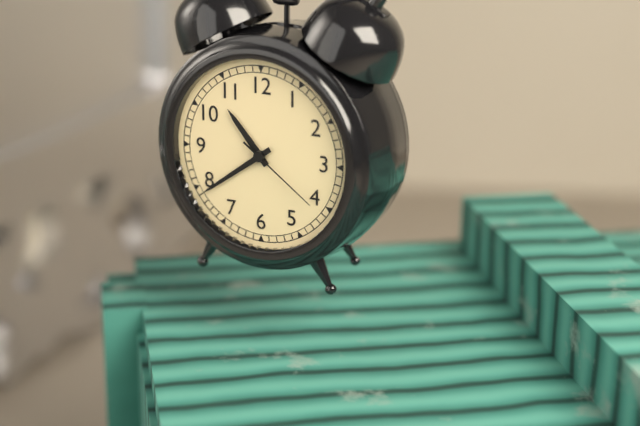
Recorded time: 10.39.21
